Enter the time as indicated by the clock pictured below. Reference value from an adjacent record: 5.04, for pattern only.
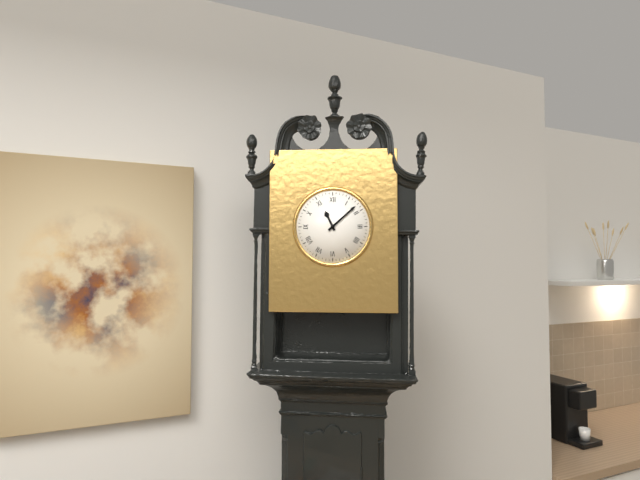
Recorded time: 11.08
